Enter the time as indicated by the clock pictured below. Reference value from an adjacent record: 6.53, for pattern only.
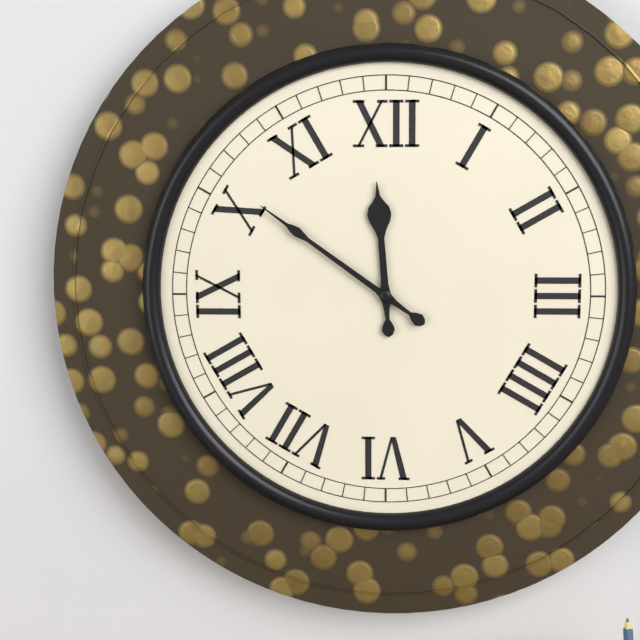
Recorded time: 11.51
